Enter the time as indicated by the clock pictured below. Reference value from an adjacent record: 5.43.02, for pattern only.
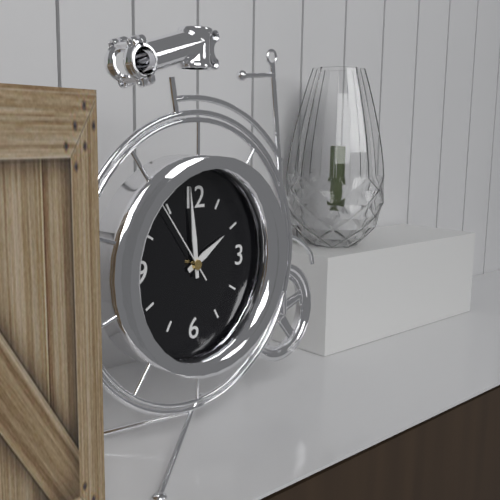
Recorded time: 1.59.54
